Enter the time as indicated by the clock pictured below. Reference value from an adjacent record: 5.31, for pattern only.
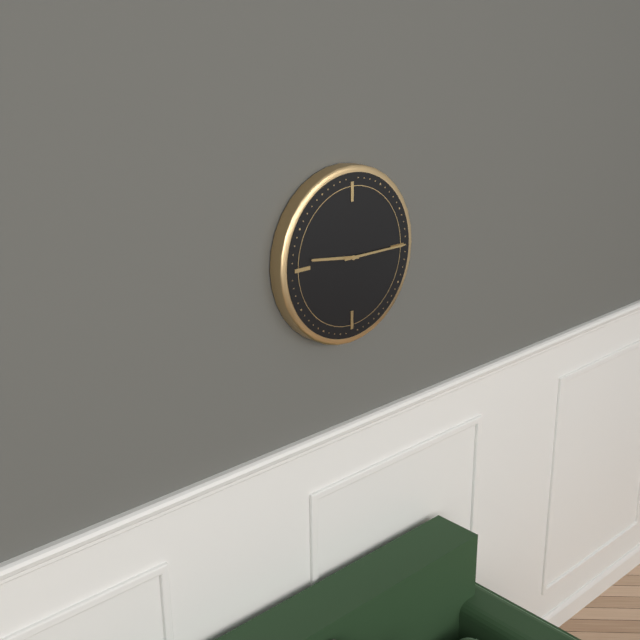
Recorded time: 9.15
